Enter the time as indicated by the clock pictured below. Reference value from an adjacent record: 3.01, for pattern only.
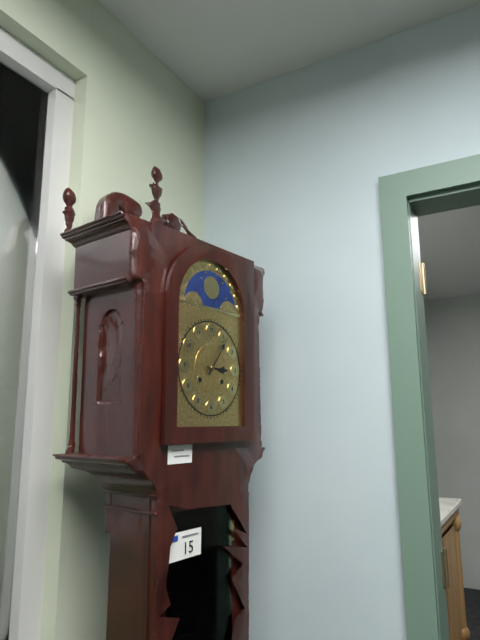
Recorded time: 3.06
